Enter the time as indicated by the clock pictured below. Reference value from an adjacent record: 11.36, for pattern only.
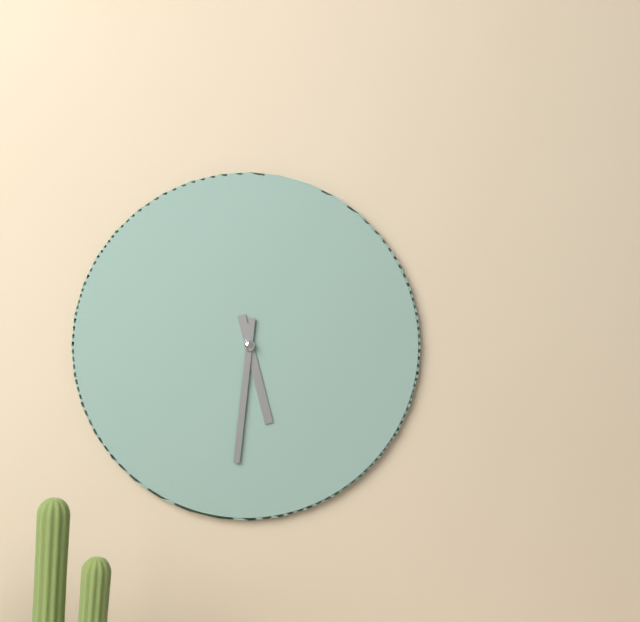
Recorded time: 5.31
